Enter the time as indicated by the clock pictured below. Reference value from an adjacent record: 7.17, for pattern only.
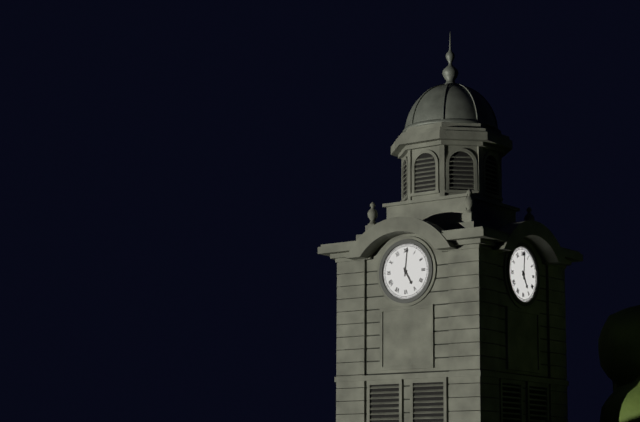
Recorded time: 5.01
